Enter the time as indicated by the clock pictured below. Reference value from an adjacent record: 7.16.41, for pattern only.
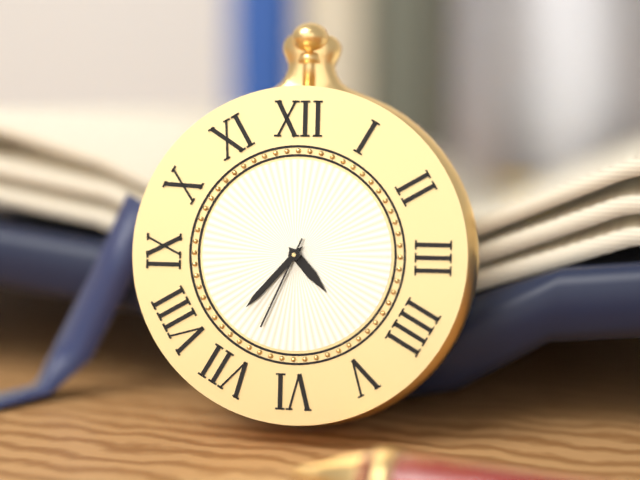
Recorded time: 4.37.34
